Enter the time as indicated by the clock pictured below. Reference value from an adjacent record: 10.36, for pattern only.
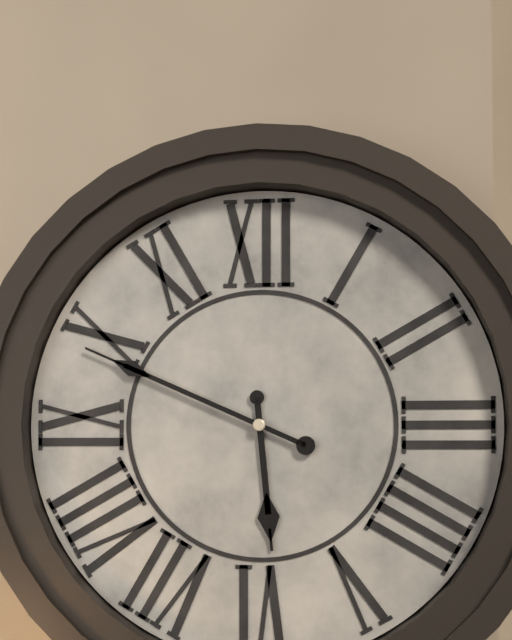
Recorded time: 5.49
